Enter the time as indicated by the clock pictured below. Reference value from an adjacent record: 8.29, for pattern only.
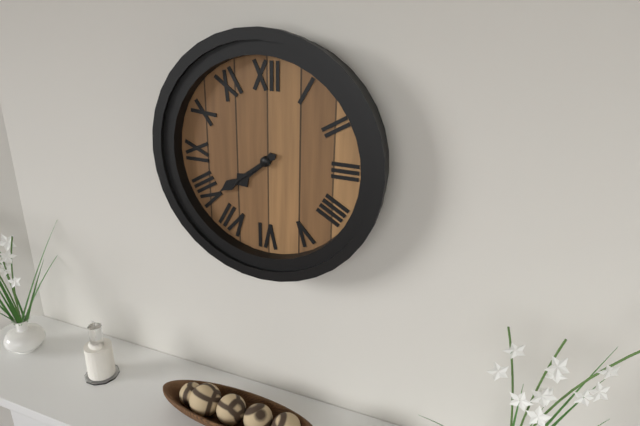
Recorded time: 7.39
